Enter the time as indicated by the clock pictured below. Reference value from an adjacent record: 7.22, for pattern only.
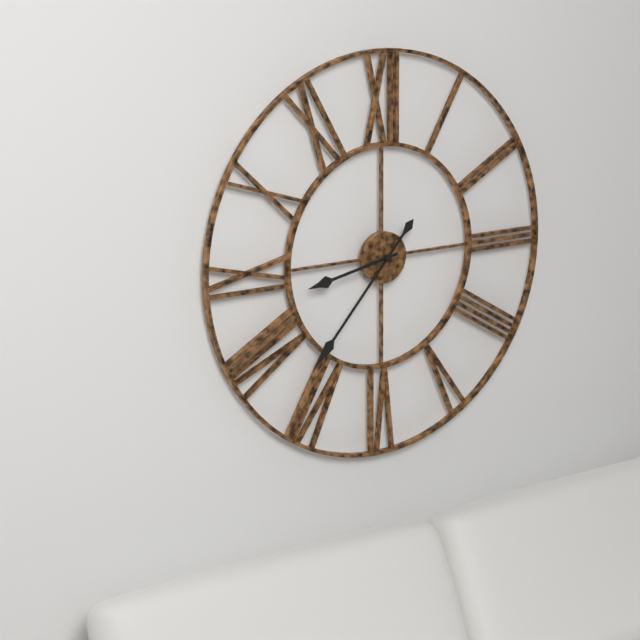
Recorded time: 8.37
